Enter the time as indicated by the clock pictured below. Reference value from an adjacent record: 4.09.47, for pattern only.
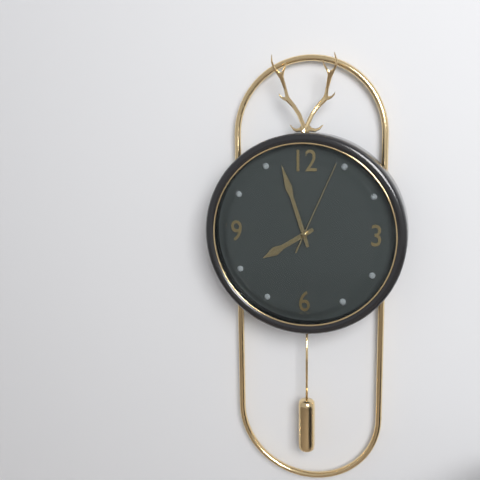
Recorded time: 7.57.04
